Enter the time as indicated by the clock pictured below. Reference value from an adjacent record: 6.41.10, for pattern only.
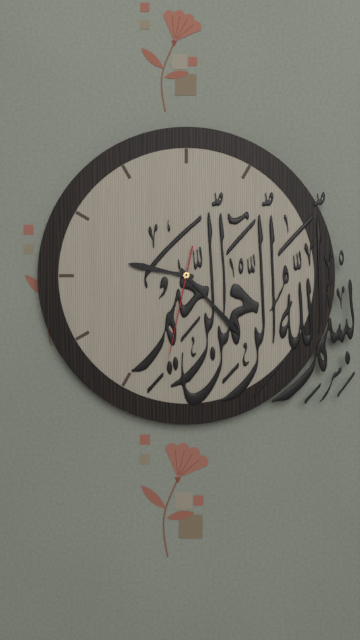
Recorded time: 9.23.32
